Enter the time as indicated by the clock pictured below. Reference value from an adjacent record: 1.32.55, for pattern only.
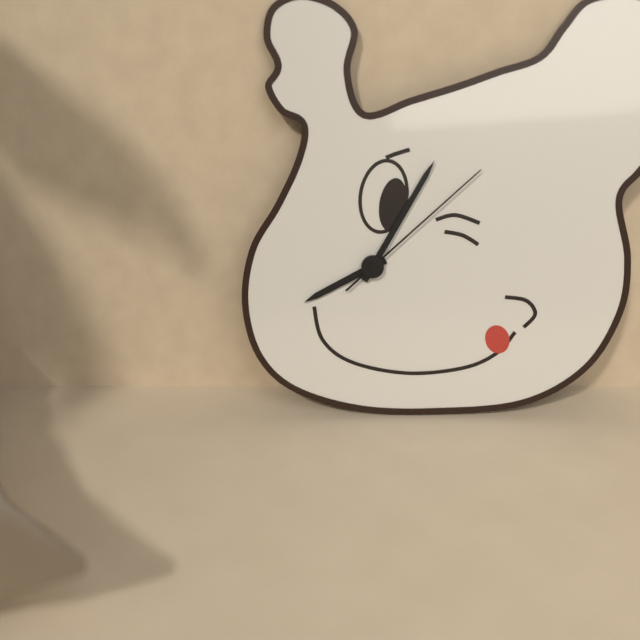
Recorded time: 8.05.08
